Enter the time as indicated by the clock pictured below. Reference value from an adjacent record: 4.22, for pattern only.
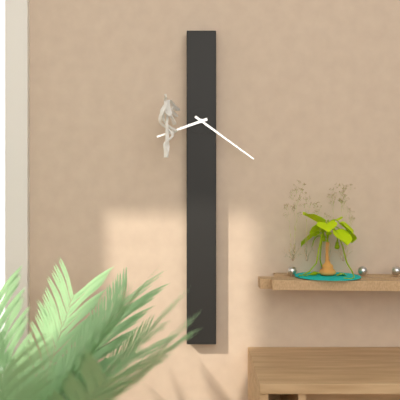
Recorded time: 8.21
